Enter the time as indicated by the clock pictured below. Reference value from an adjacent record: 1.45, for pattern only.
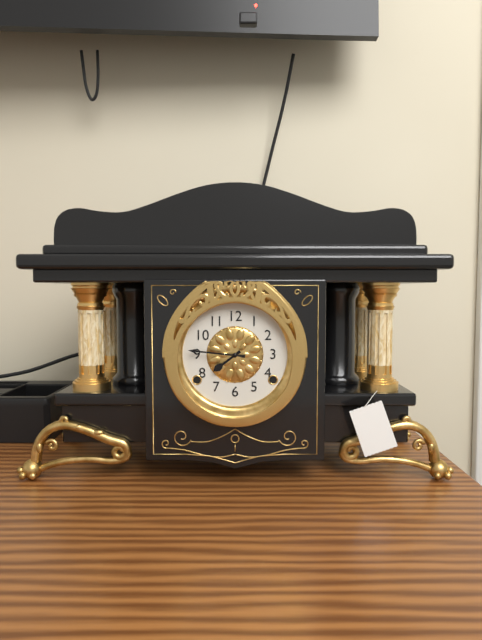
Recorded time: 7.46
